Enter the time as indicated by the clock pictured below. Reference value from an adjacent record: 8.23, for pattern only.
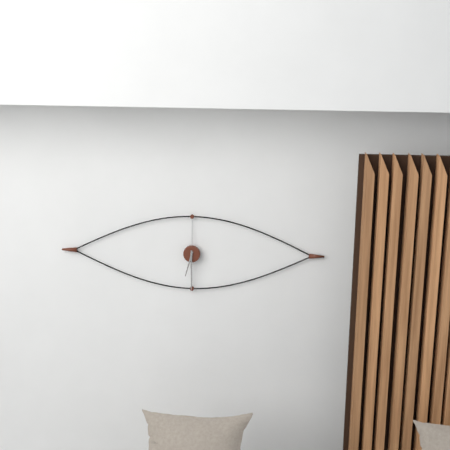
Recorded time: 6.30
